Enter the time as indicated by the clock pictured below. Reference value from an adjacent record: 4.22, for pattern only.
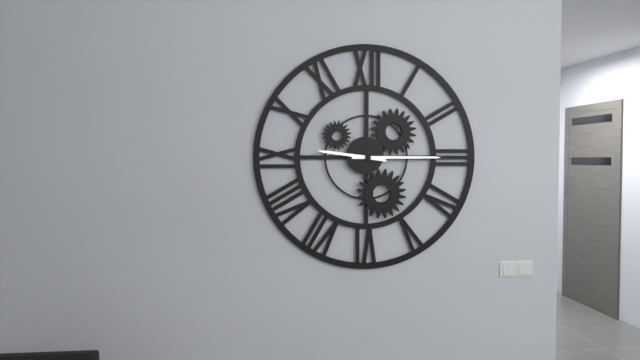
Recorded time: 9.15
